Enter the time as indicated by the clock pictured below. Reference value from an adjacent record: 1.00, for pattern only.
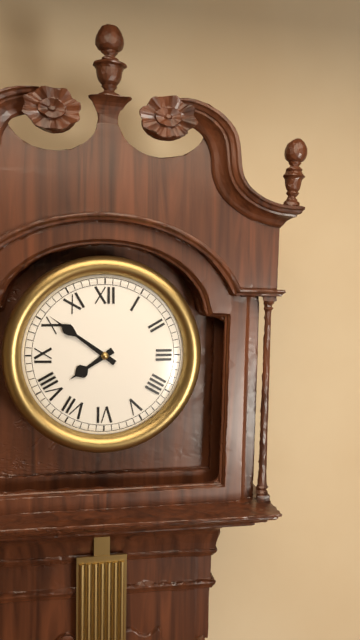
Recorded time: 7.51
